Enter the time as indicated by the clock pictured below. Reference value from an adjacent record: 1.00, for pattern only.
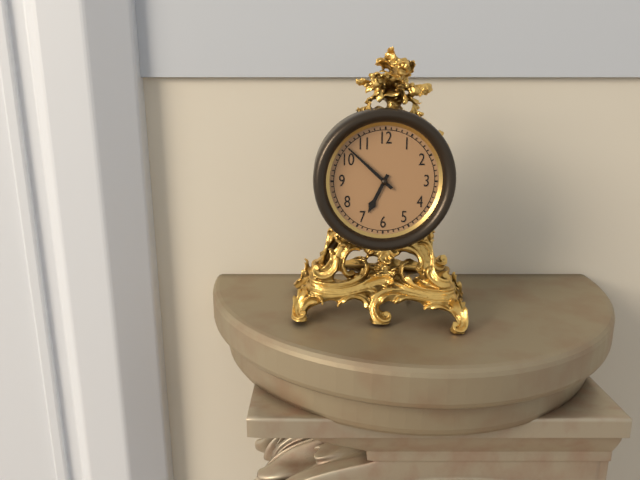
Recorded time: 6.52
